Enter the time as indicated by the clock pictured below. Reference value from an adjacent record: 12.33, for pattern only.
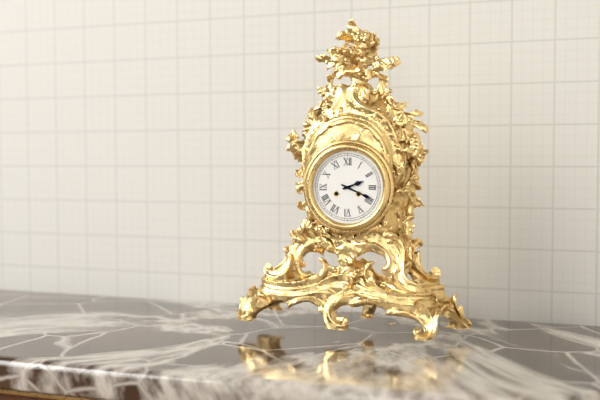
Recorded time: 2.19
